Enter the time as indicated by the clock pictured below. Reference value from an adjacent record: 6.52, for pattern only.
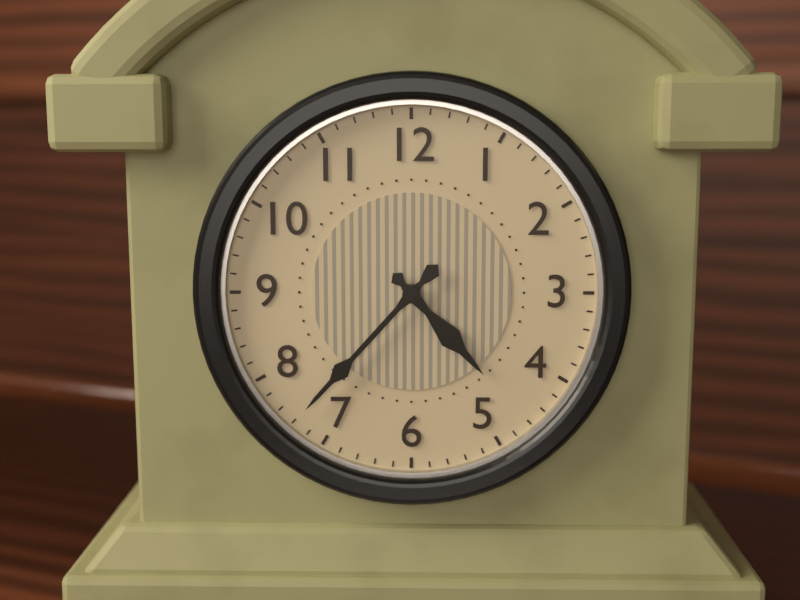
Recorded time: 4.37
